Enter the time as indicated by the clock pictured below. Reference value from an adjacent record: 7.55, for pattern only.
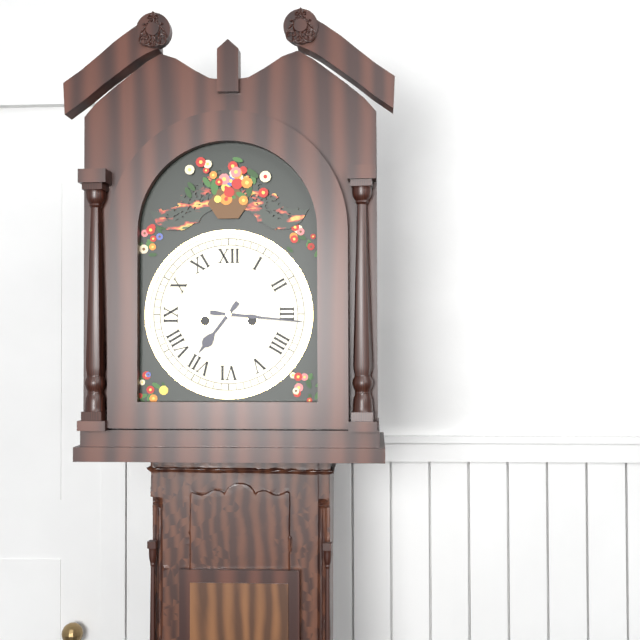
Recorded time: 7.16
